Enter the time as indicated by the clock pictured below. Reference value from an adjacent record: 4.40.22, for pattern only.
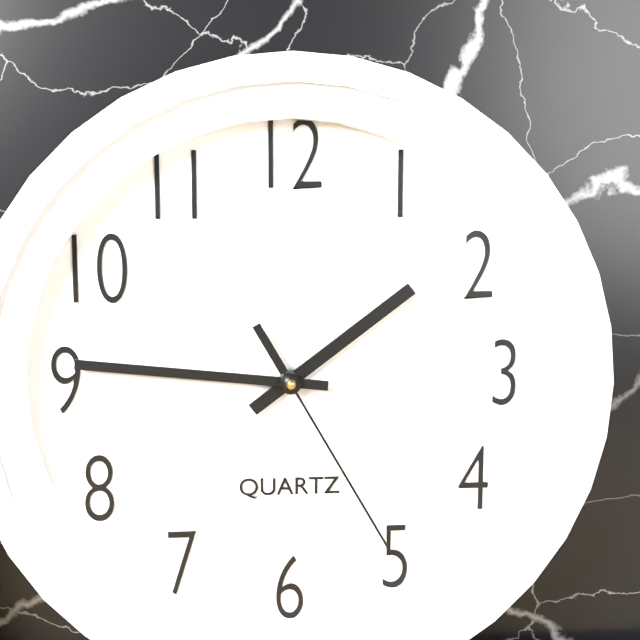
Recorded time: 1.46.25
